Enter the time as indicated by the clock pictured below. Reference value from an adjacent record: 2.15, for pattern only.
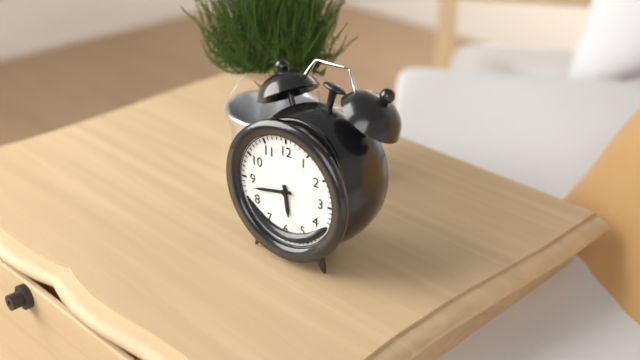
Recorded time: 5.43
